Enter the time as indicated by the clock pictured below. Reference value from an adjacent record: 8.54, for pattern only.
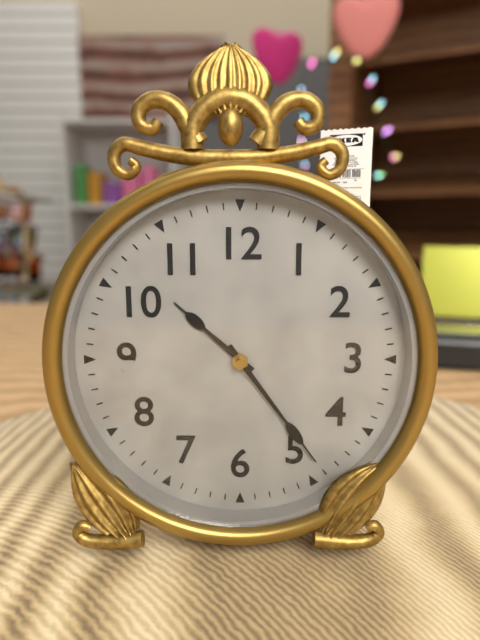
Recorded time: 10.24
